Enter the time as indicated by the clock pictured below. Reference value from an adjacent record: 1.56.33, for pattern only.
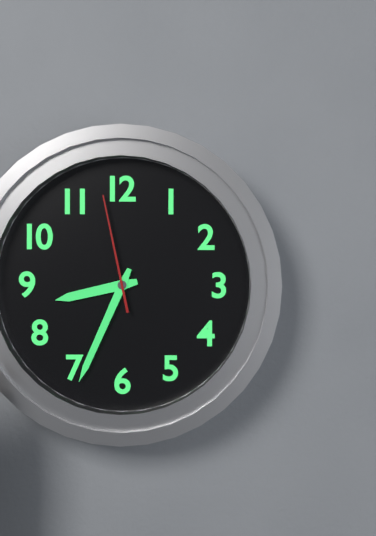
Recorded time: 8.34.58
